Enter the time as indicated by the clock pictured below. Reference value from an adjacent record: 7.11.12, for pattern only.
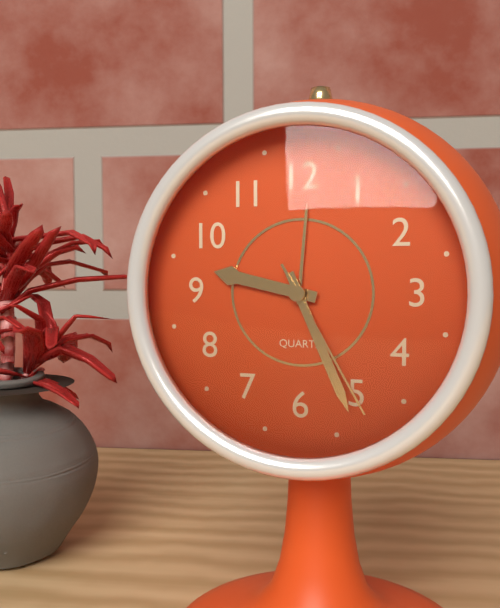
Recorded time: 9.26.25
